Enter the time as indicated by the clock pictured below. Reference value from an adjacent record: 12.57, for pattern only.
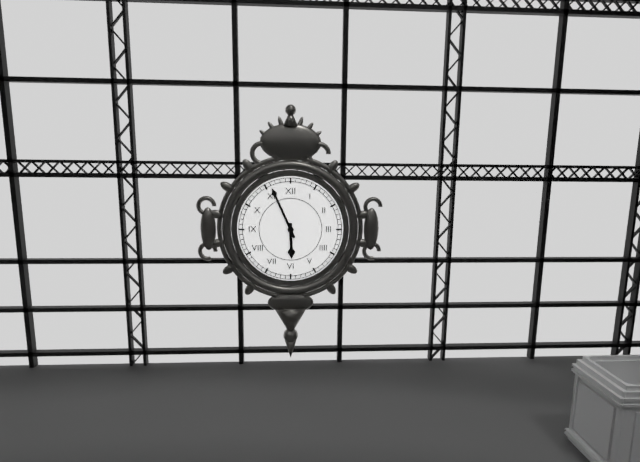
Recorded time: 5.56
